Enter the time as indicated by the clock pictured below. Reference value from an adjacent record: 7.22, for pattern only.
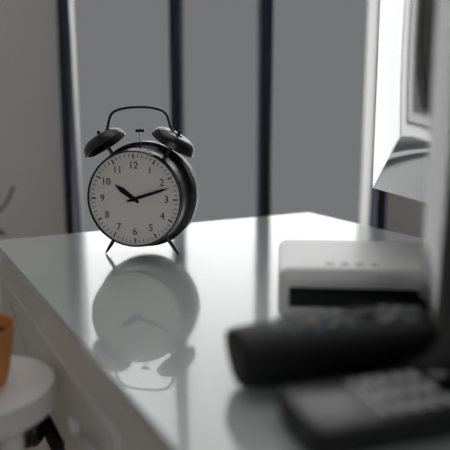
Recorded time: 10.12
